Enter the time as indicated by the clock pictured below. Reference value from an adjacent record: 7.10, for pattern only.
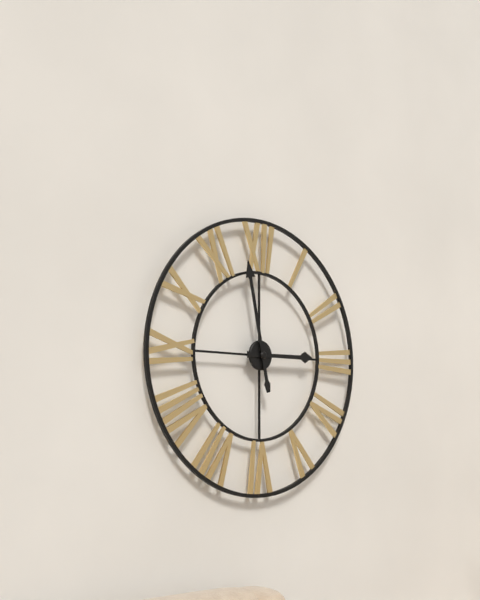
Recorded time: 2.58
